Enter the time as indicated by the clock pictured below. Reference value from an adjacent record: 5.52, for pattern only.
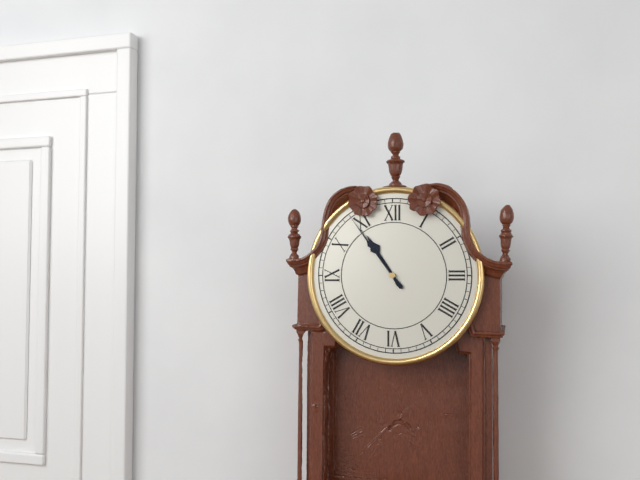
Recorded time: 10.54
